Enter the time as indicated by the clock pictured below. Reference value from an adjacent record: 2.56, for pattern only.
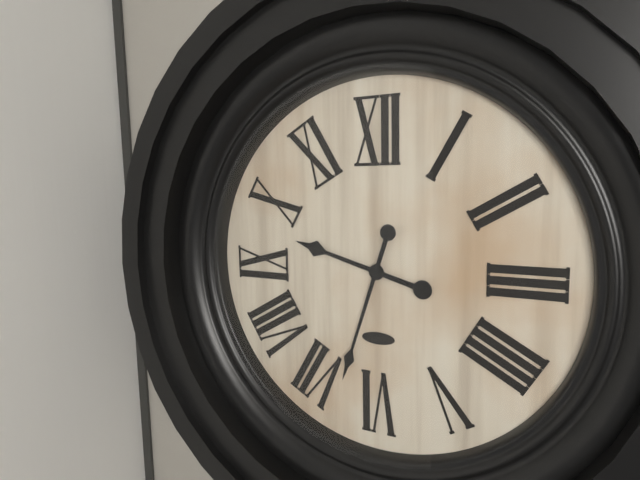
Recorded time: 9.33
